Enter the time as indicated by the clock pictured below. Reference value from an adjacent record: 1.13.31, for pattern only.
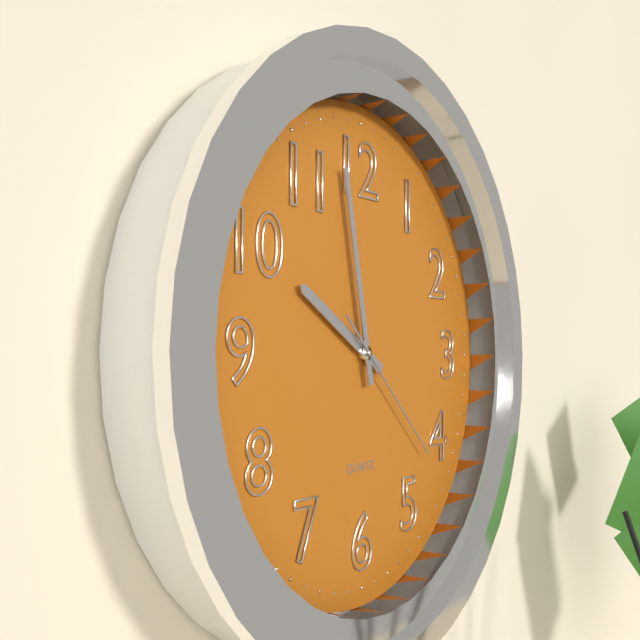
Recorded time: 9.58.22
